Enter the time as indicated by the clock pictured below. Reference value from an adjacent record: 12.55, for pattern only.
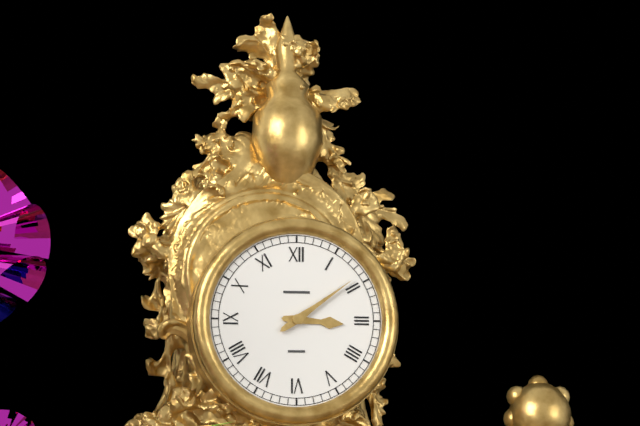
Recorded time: 3.09
